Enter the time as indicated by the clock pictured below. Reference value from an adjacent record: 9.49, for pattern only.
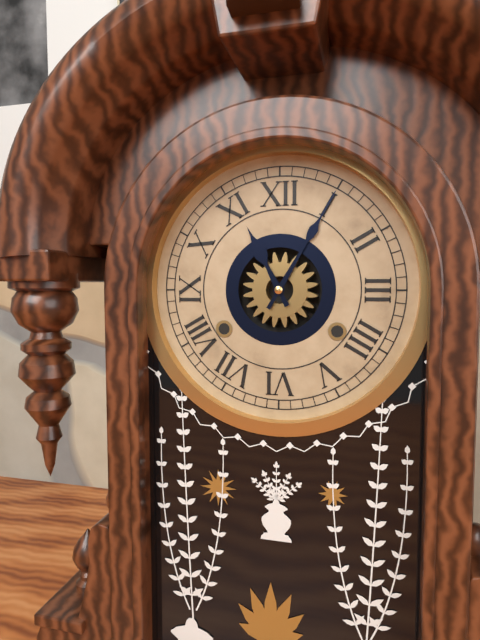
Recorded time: 11.05
